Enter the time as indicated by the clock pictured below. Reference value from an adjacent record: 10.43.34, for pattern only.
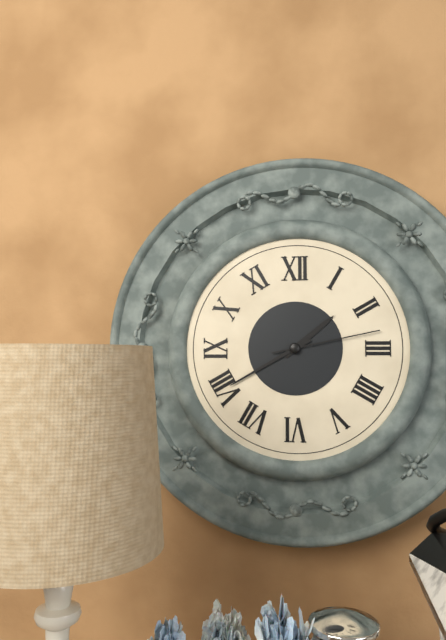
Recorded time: 1.40.13
